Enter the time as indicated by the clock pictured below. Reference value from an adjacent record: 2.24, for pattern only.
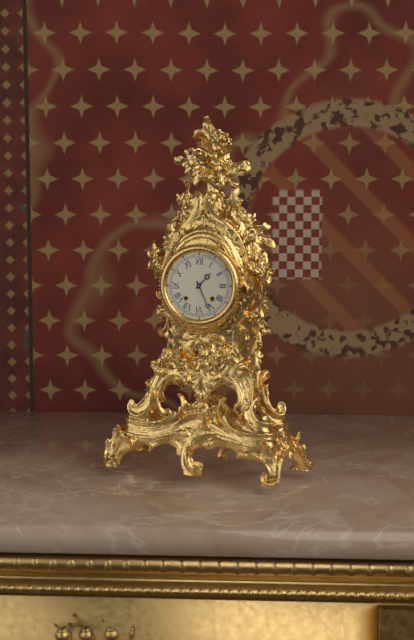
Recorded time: 1.26
